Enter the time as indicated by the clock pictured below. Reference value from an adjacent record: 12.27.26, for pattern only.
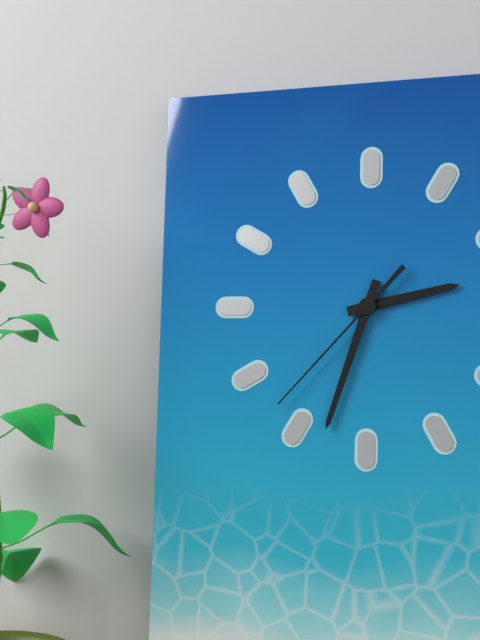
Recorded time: 2.33.37
